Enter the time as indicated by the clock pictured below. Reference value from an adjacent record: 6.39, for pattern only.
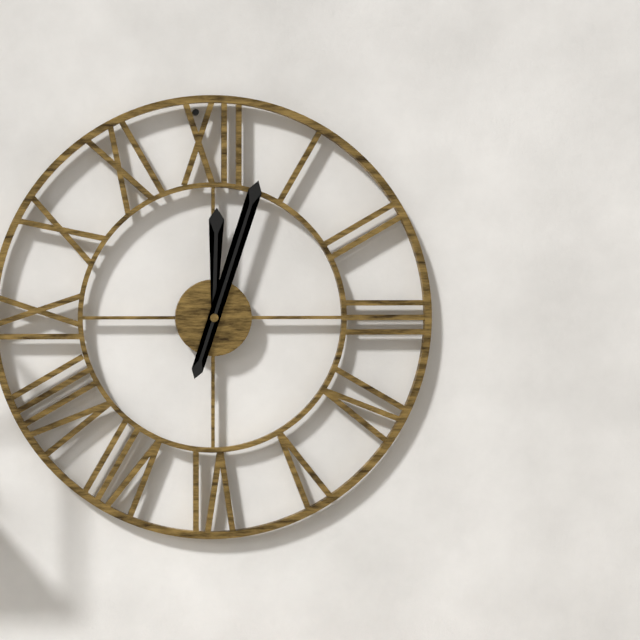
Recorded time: 12.03
